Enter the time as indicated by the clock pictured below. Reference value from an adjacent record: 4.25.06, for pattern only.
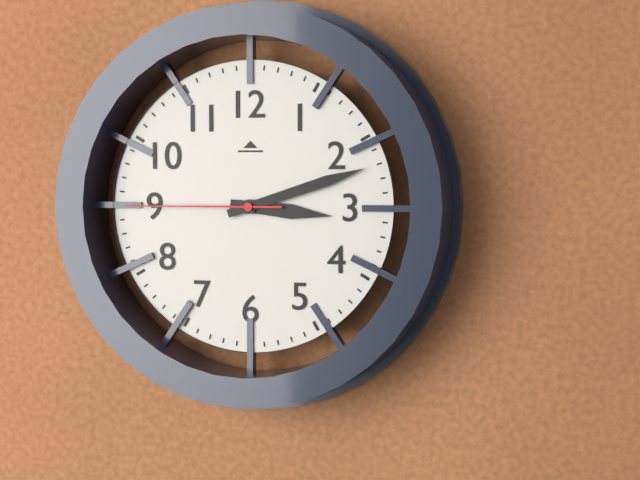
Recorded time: 3.12.45
